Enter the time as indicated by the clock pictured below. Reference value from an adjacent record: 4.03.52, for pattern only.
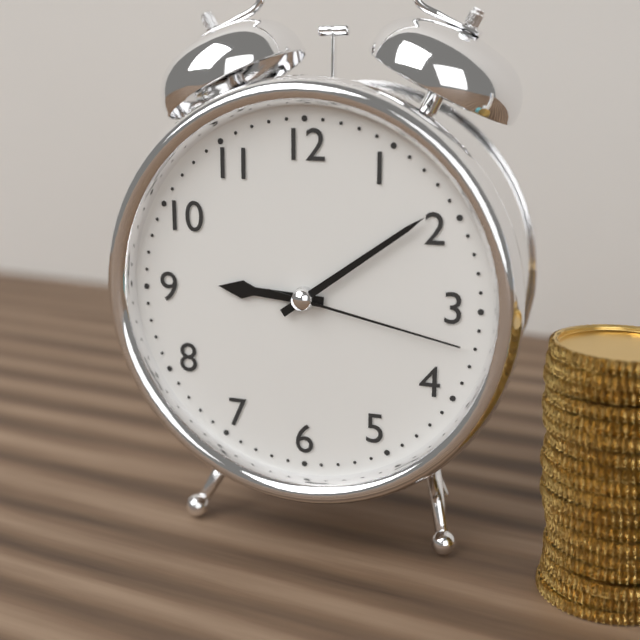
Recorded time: 9.09.17
